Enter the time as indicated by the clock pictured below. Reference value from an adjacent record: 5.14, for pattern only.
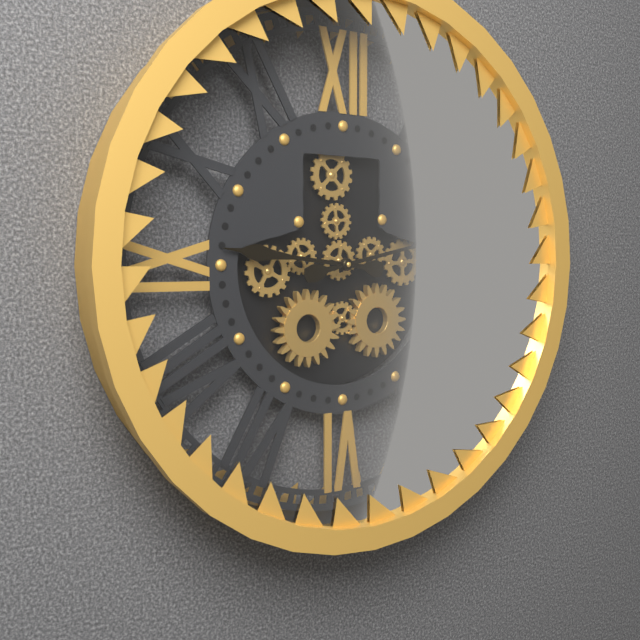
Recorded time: 9.13
